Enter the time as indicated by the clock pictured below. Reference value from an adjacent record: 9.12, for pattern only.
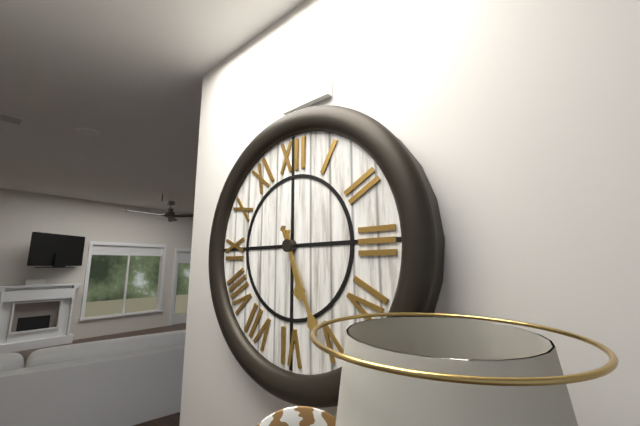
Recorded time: 5.26
